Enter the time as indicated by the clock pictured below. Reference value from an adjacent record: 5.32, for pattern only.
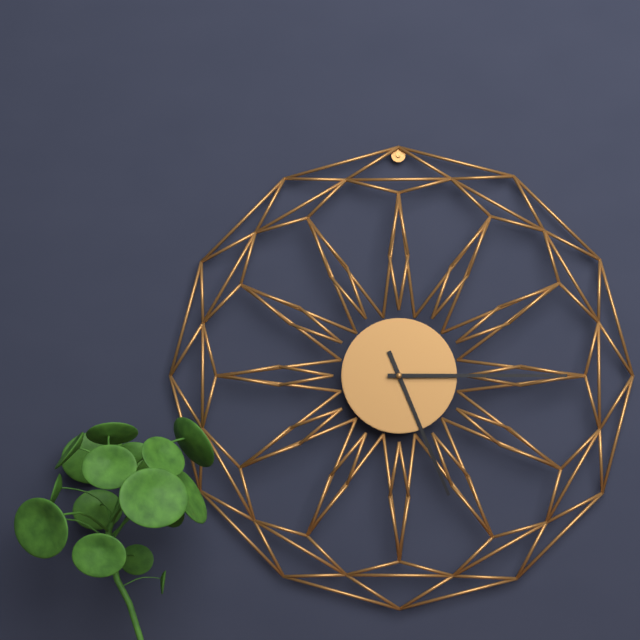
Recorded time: 5.15
